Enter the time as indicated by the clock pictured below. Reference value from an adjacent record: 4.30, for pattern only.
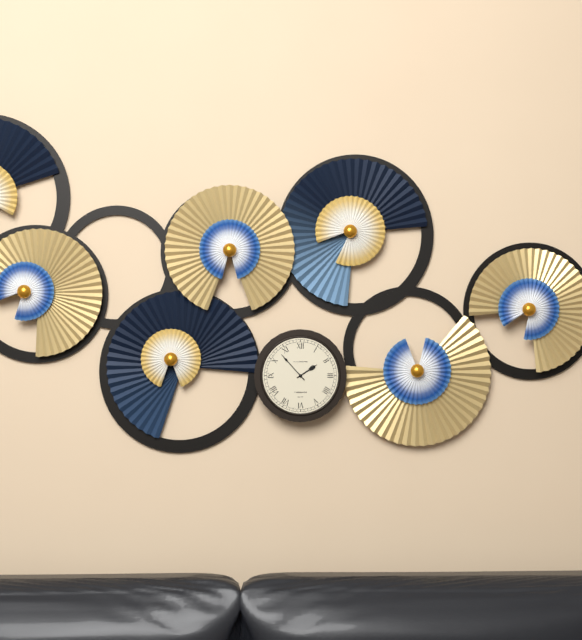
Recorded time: 1.53
